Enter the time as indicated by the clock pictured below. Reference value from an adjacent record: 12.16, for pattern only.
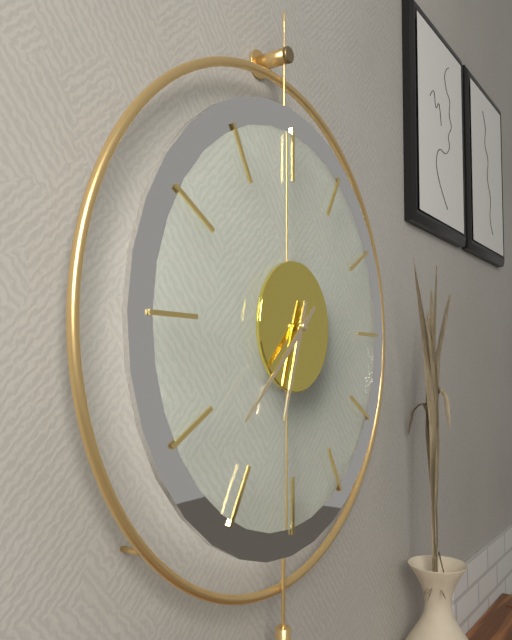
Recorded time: 6.38
